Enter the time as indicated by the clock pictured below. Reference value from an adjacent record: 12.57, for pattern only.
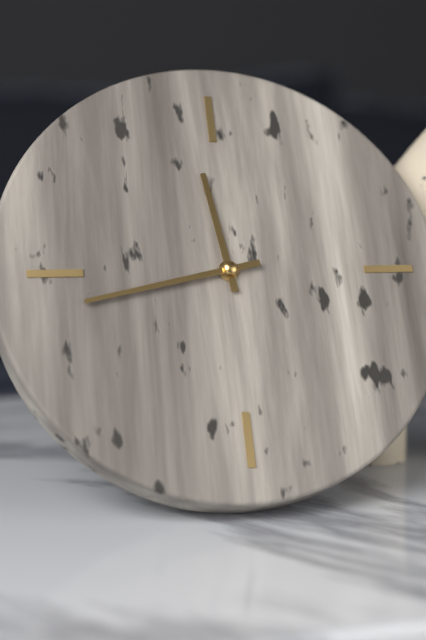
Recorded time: 11.43
